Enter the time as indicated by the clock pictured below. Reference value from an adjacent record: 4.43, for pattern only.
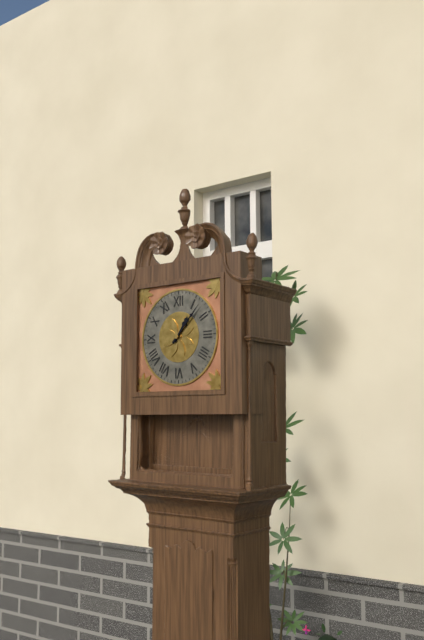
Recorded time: 1.07
